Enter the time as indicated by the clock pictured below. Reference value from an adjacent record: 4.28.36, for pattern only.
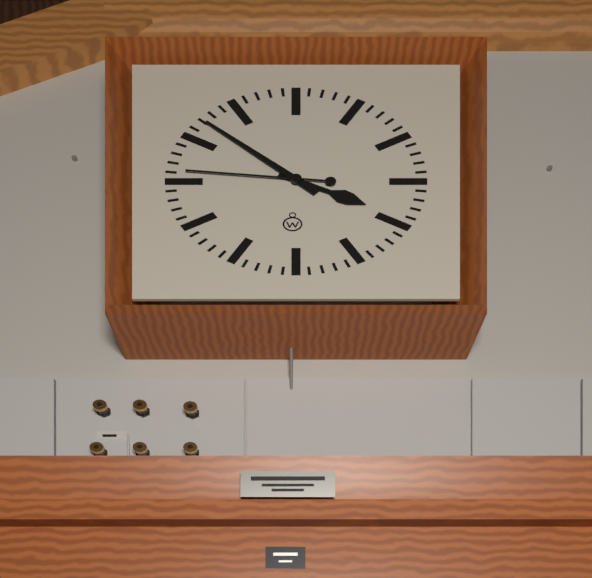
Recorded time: 3.52.46
